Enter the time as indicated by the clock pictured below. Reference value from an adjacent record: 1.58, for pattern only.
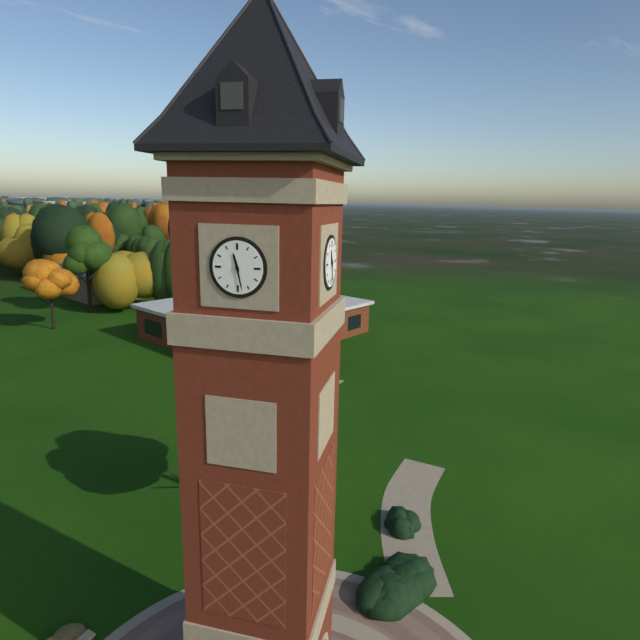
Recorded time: 11.28
